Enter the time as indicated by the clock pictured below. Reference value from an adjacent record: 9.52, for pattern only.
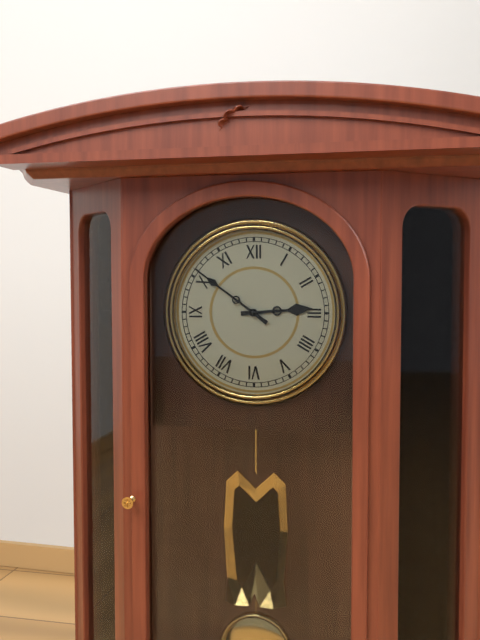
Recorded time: 2.51
